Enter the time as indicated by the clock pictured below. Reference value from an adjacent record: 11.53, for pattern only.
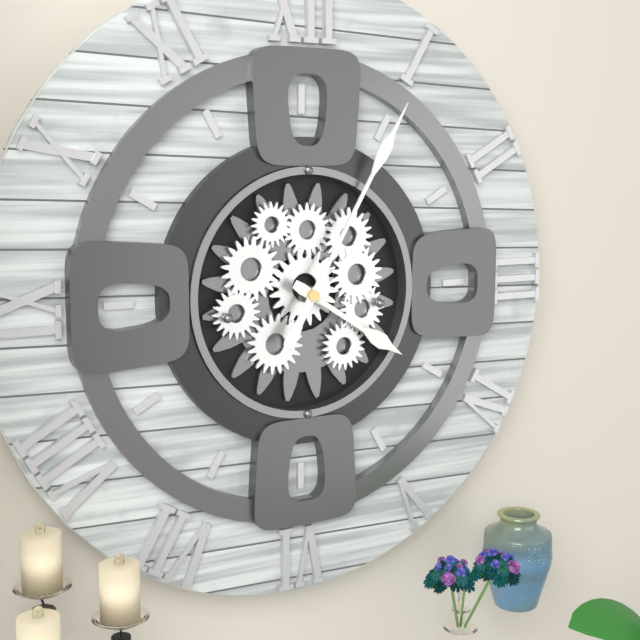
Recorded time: 4.05
